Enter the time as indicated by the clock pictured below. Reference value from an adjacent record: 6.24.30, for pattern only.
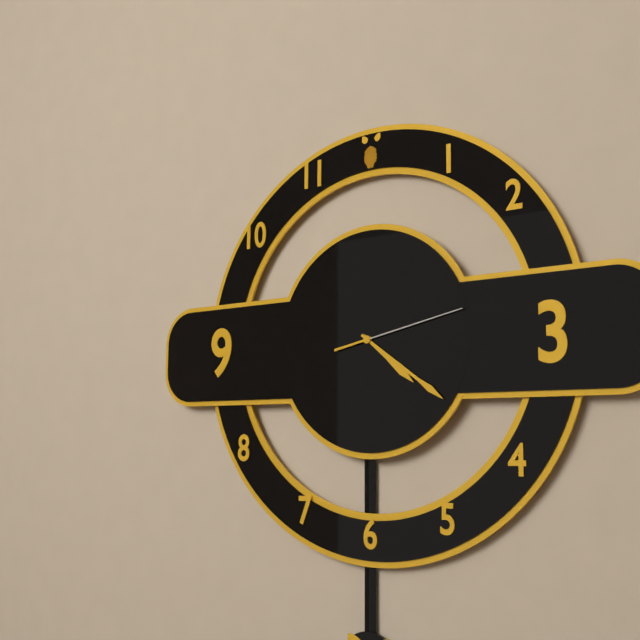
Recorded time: 4.21.13
